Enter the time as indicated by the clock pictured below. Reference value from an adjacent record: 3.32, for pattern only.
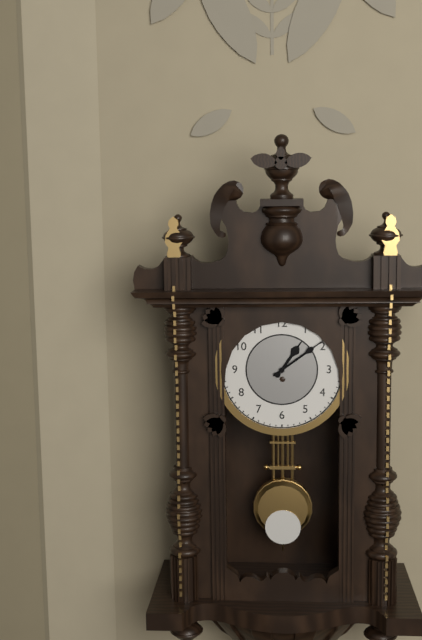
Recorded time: 1.09
